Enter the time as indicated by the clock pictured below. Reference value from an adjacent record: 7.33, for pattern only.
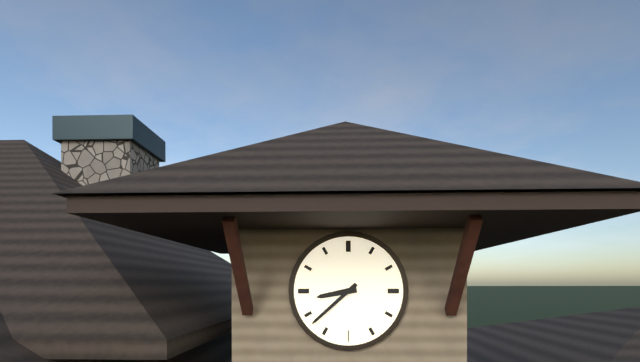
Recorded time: 8.38
